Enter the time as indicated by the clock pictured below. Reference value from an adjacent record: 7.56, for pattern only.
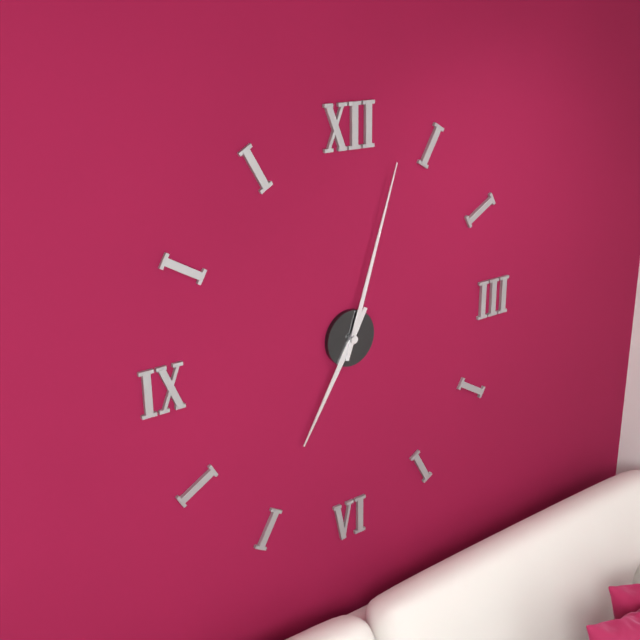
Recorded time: 7.03
